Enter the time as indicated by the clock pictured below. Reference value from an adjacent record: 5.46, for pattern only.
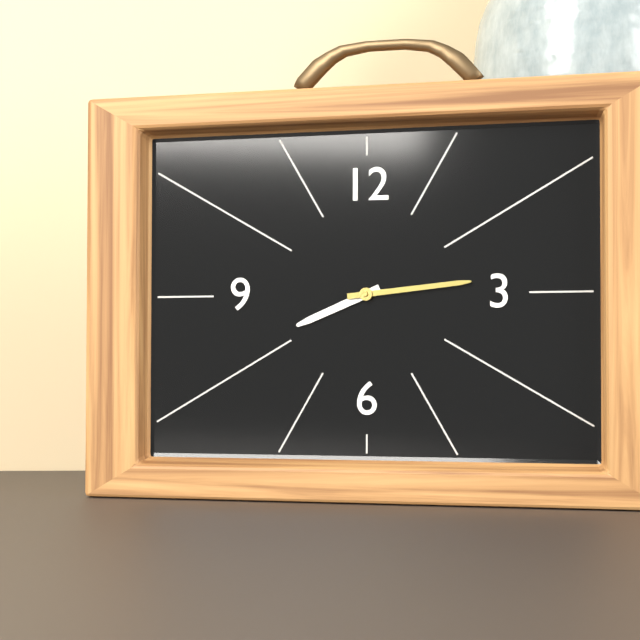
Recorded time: 8.14
